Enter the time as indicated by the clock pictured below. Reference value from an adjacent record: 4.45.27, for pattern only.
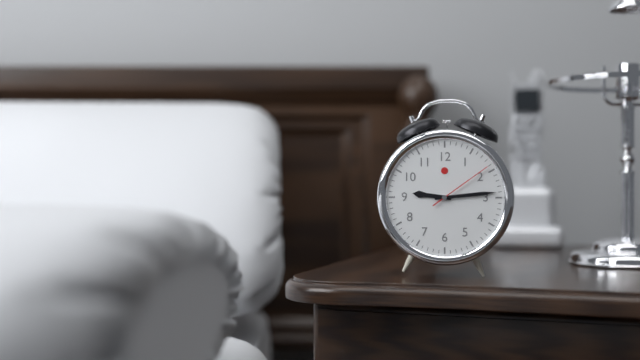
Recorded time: 9.14.09
